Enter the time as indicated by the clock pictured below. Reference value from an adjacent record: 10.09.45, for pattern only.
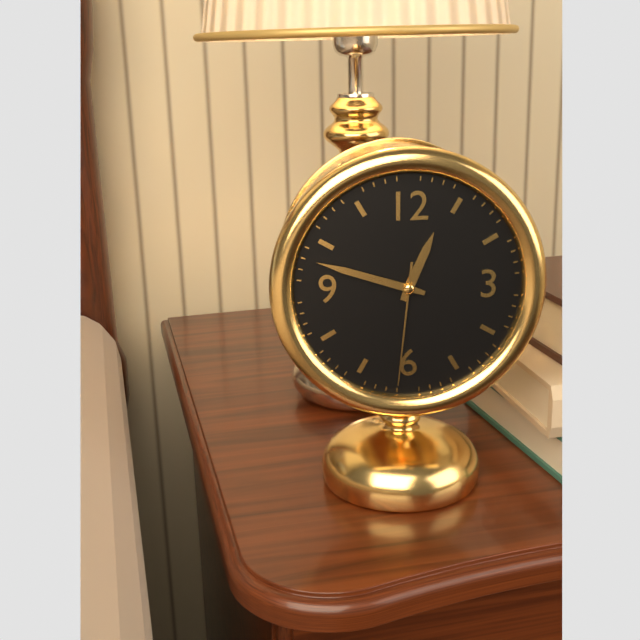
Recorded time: 12.48.31
